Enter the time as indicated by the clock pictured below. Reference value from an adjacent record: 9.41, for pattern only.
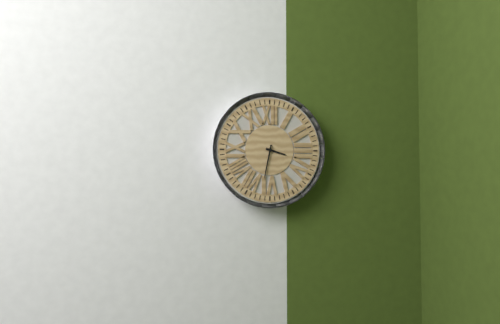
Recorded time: 3.32
